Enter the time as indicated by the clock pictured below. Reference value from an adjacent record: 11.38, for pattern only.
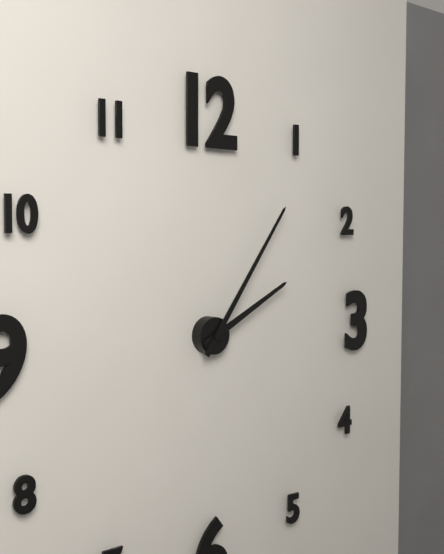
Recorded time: 2.06
